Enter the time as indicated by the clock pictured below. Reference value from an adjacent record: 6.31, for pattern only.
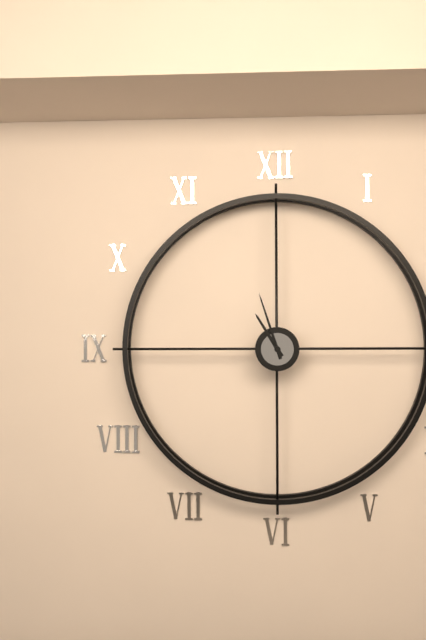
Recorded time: 10.57
